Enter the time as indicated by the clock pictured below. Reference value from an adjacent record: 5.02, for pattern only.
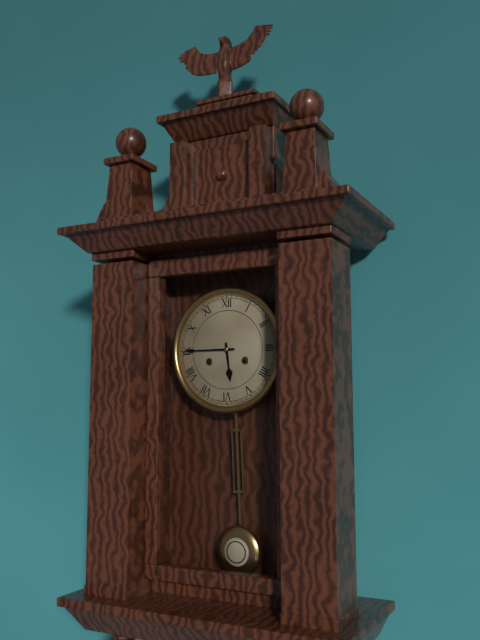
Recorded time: 5.45
